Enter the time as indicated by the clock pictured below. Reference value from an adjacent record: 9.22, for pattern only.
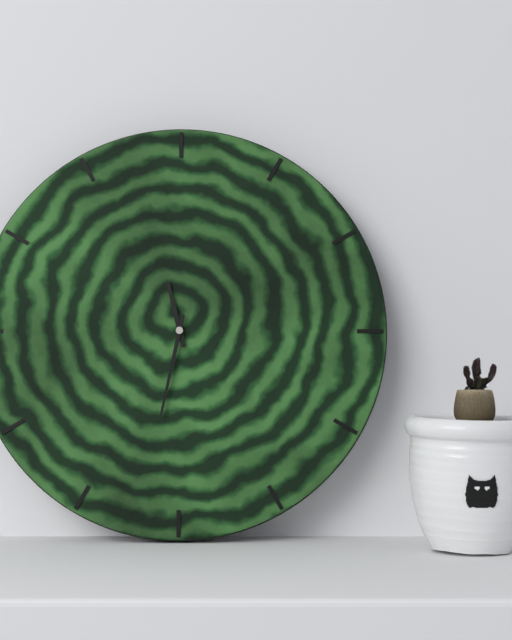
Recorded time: 11.32
